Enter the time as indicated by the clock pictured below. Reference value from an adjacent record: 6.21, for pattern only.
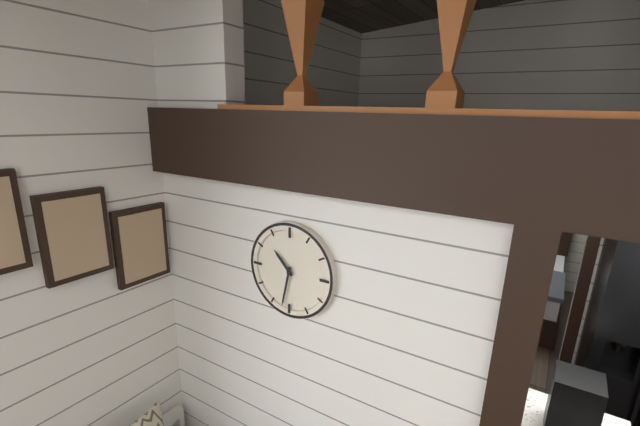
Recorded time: 10.32
